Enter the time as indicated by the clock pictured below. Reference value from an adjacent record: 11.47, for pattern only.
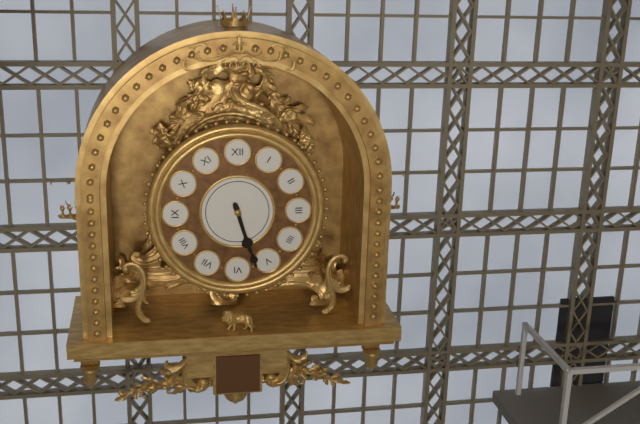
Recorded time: 5.27
